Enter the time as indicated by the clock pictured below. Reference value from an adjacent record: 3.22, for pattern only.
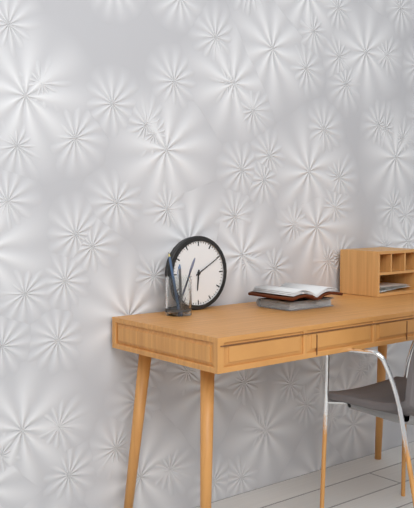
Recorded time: 6.10
